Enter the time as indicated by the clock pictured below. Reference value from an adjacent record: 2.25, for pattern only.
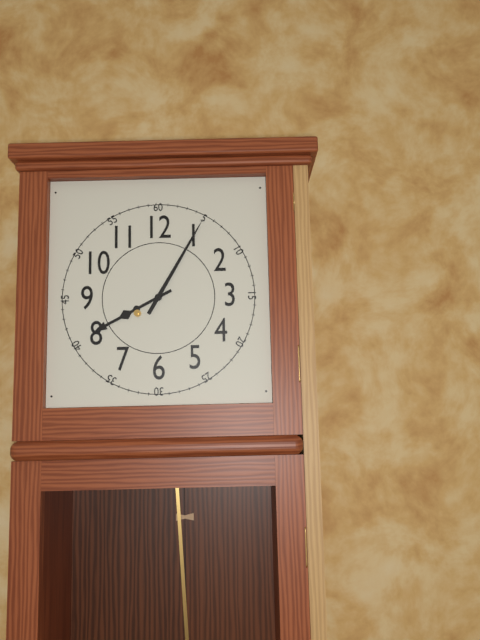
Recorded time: 8.05
